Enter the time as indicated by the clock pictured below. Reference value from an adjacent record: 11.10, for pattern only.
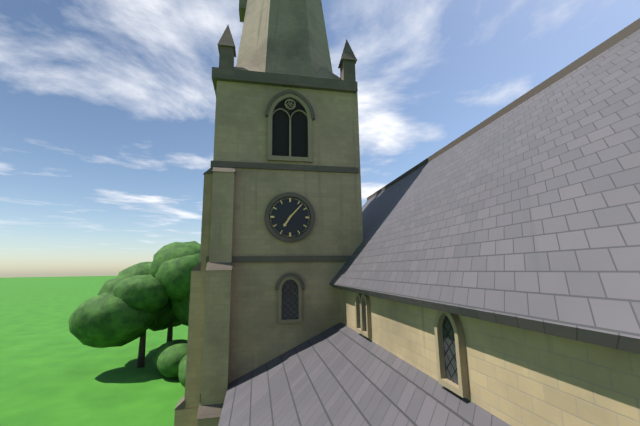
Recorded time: 7.07
